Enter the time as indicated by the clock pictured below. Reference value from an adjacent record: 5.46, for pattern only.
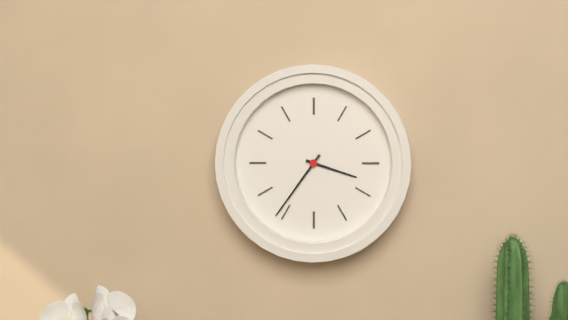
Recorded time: 3.36
